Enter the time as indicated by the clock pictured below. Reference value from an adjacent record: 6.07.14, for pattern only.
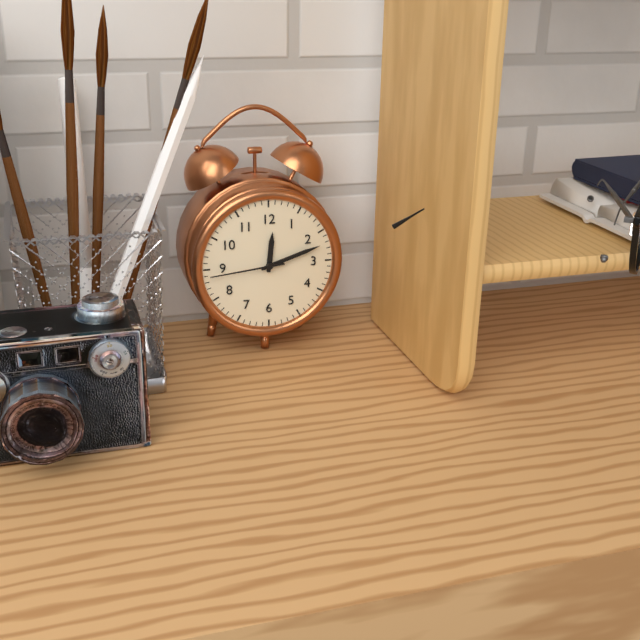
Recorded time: 12.12.44
